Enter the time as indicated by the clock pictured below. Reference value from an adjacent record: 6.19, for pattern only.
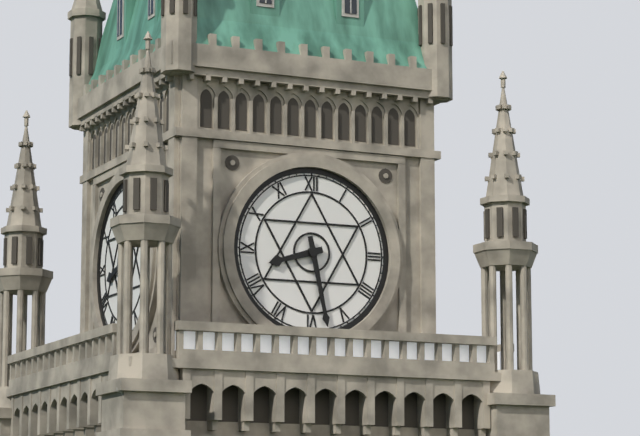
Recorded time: 8.28
